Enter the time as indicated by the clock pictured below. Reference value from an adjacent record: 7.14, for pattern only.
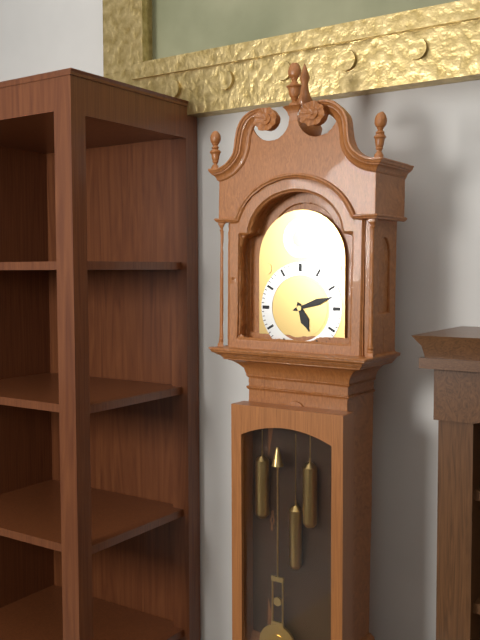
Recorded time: 5.12
